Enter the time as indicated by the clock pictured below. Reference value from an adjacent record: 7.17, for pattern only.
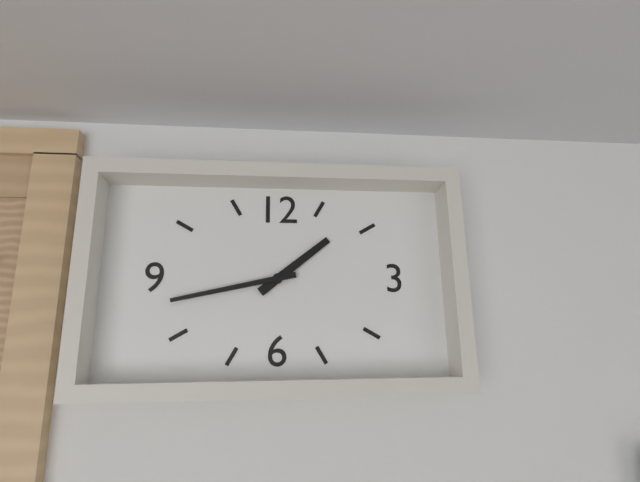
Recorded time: 1.43
